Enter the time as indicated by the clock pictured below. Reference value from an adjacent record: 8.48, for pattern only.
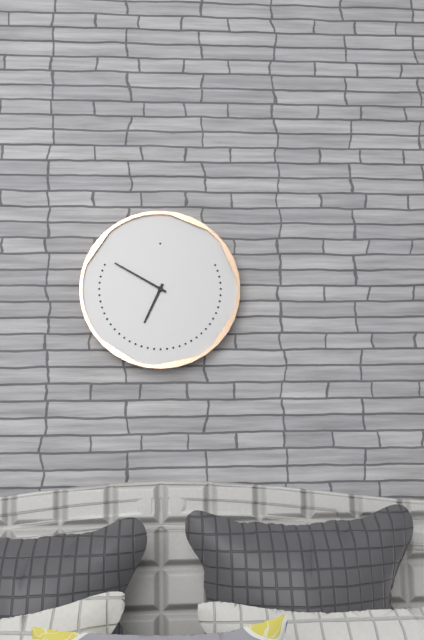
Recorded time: 6.50
